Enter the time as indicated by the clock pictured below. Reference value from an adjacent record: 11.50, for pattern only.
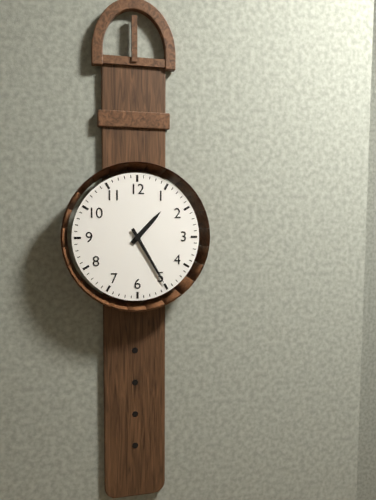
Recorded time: 1.25
